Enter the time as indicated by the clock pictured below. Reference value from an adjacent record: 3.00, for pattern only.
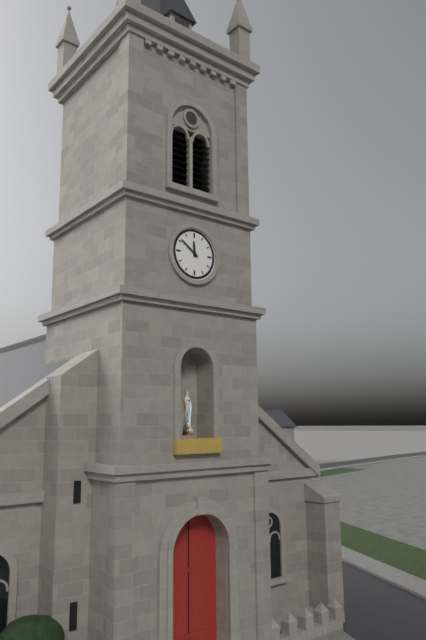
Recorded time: 11.51
